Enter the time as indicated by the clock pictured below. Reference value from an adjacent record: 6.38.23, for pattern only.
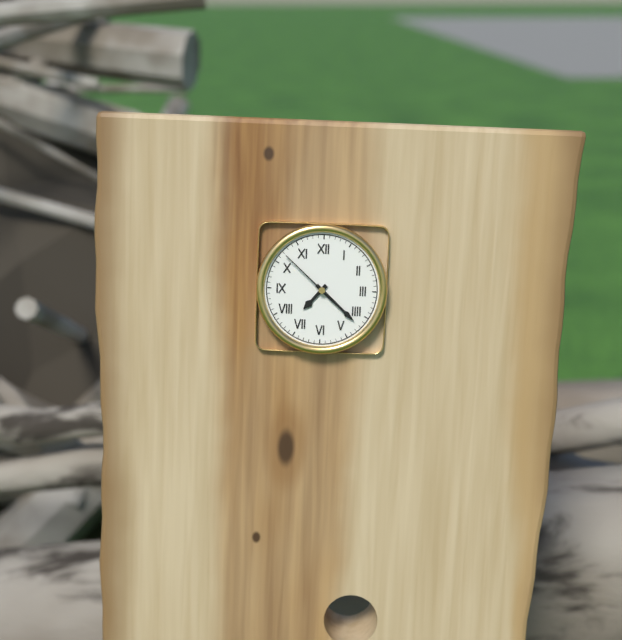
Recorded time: 7.22.52
